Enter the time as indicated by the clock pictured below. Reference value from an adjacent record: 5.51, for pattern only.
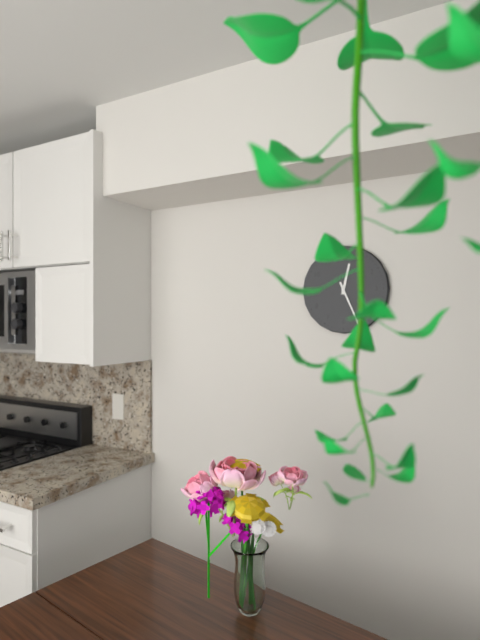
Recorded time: 12.26
